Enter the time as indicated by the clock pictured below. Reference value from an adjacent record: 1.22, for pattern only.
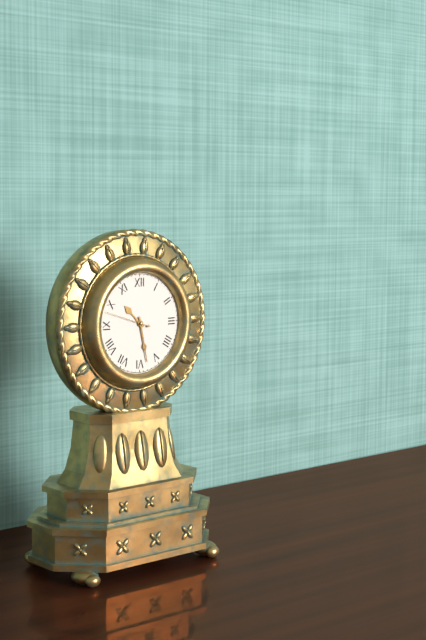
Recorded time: 10.28
